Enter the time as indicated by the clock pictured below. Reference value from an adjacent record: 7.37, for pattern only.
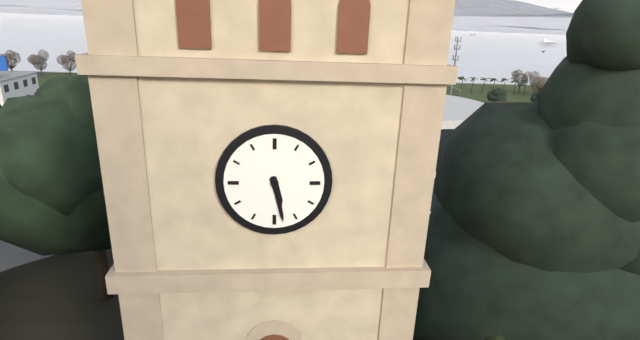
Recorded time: 5.28
